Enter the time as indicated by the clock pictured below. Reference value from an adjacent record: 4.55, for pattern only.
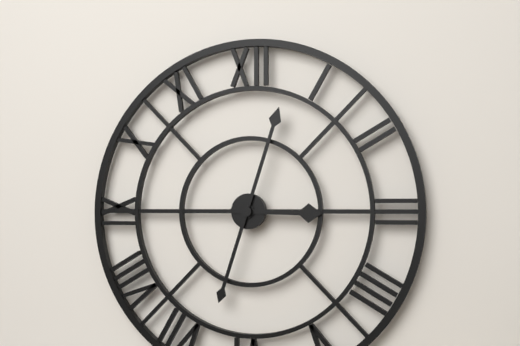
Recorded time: 3.03
